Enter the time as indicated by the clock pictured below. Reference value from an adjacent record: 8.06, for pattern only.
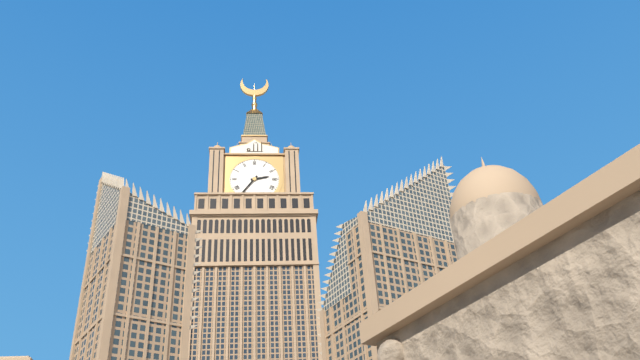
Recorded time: 2.36
